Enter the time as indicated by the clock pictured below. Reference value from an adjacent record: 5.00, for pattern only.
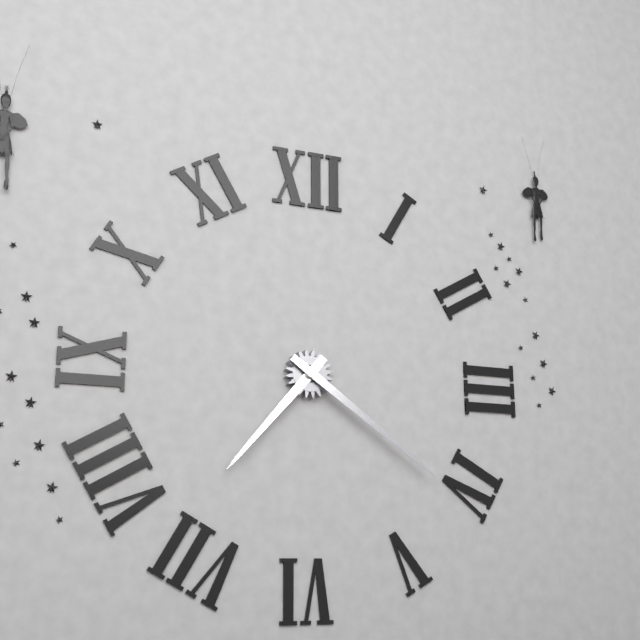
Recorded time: 7.21
